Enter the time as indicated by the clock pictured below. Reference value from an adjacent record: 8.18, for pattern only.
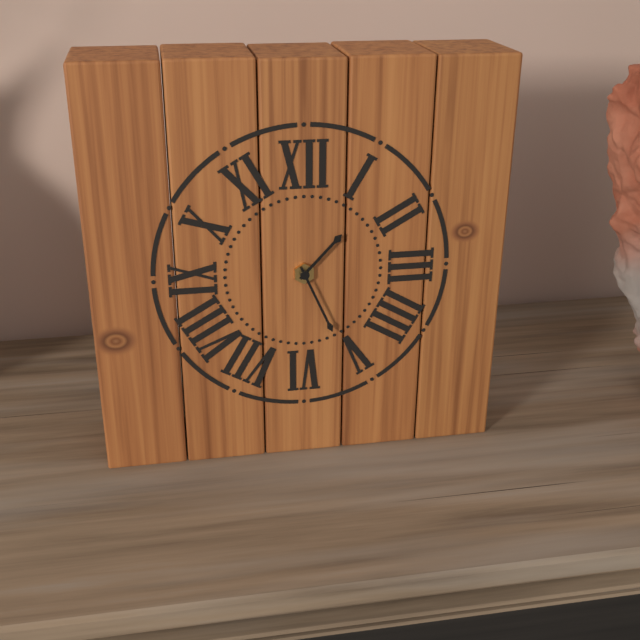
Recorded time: 1.26
